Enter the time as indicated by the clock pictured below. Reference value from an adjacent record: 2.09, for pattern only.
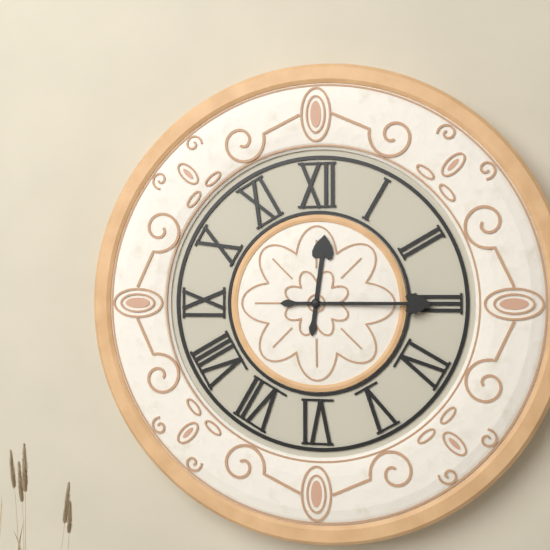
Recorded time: 12.15
